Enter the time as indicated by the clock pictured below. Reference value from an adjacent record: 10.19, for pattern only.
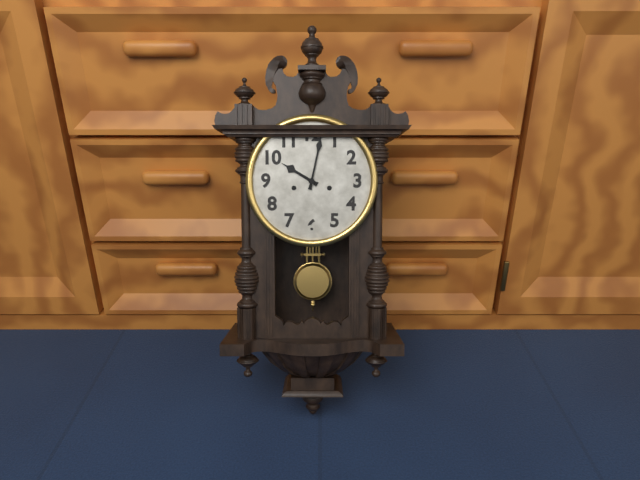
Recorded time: 10.02
